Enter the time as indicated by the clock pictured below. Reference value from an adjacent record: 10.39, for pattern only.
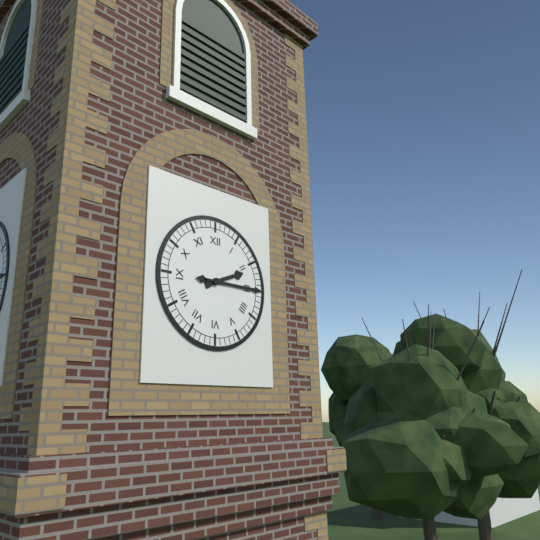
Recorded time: 2.15
